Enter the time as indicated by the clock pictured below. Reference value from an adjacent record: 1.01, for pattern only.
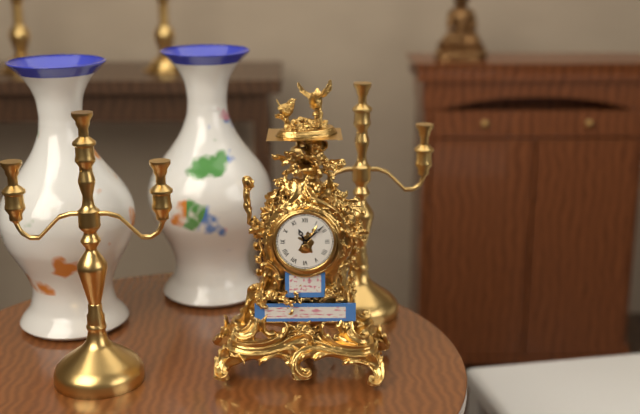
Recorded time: 11.08
